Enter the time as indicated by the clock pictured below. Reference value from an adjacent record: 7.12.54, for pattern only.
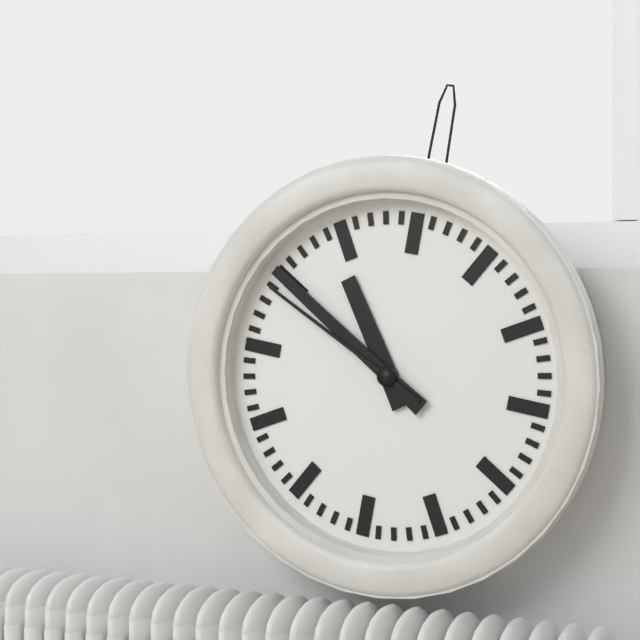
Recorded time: 10.50.49
